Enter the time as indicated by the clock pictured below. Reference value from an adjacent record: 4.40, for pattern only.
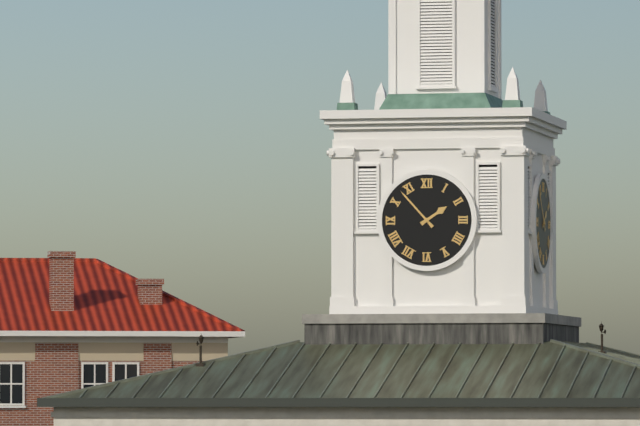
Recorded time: 1.53
